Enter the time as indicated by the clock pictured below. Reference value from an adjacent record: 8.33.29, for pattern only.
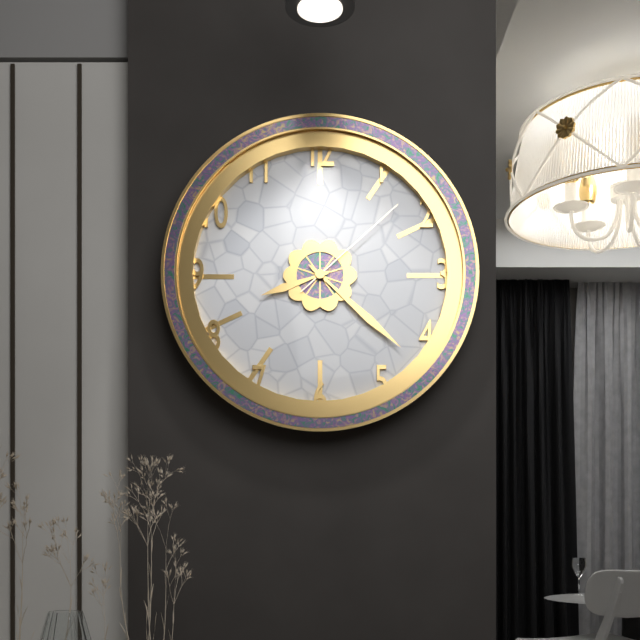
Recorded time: 8.22.08
